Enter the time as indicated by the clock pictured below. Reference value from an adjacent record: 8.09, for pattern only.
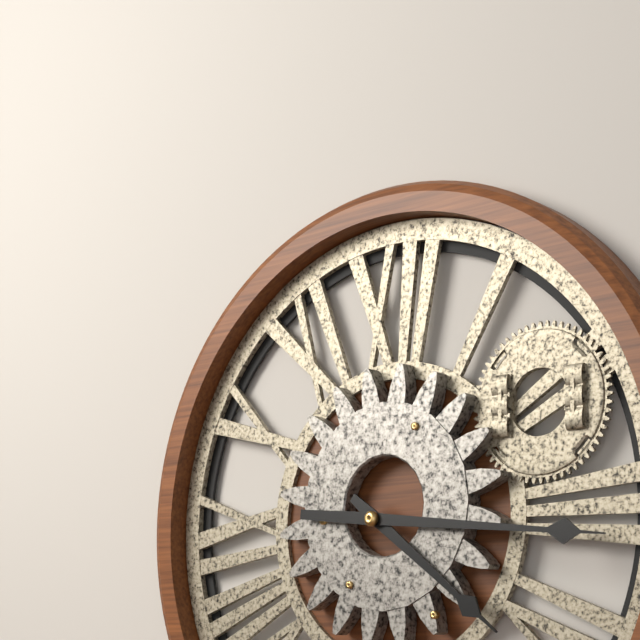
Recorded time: 4.16
